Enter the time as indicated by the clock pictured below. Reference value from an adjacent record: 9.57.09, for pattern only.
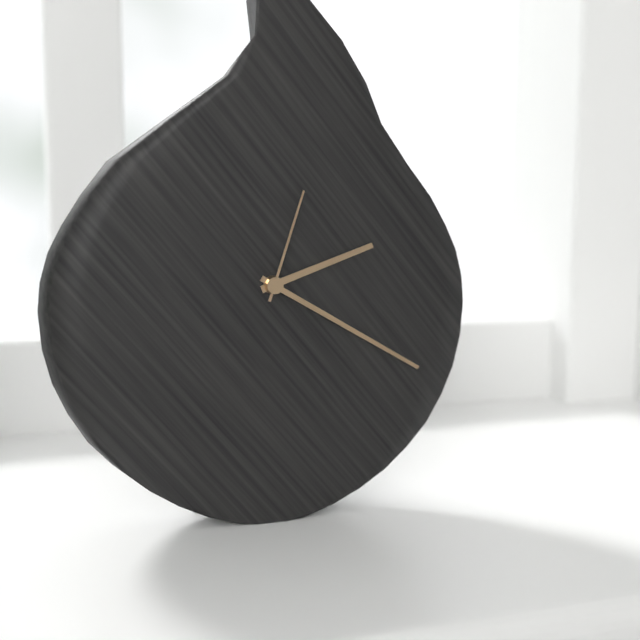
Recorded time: 2.20.03
